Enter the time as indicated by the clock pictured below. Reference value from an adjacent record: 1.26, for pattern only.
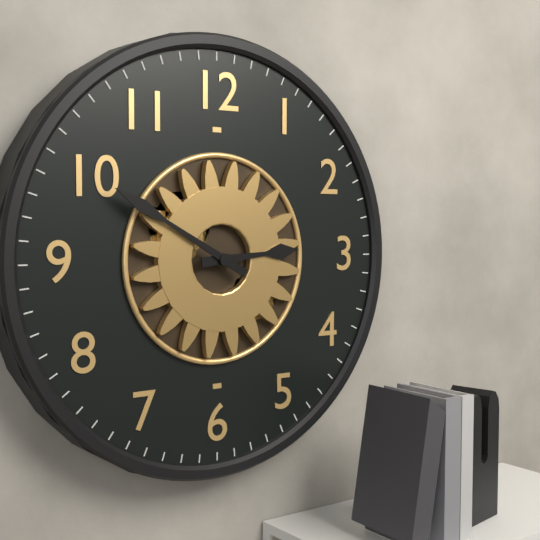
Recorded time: 2.50
